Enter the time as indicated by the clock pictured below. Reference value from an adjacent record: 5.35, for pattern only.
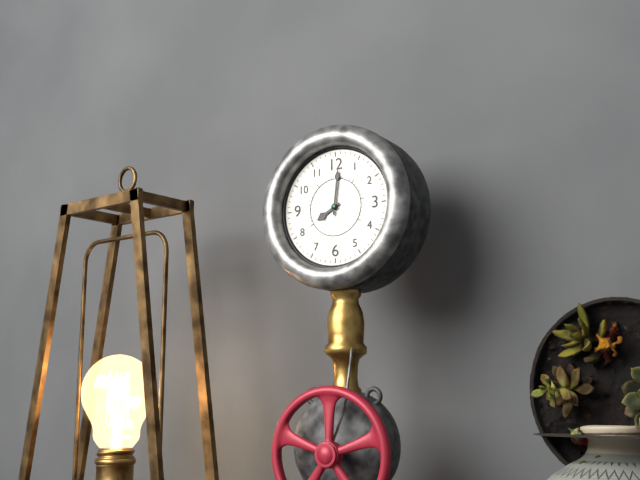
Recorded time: 8.01
